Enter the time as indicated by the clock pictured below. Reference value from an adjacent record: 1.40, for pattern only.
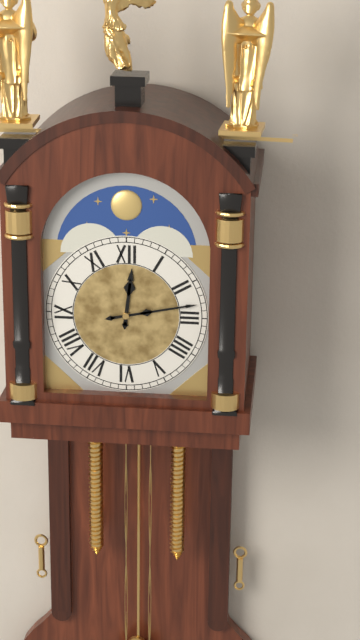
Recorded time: 12.13
